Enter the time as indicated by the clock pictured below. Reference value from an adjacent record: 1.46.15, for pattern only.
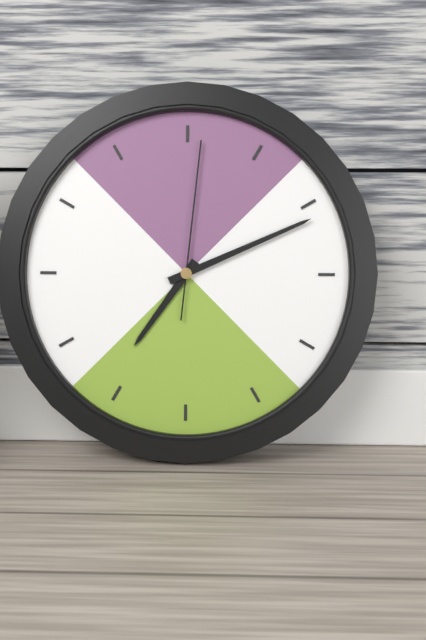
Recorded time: 7.11.01
